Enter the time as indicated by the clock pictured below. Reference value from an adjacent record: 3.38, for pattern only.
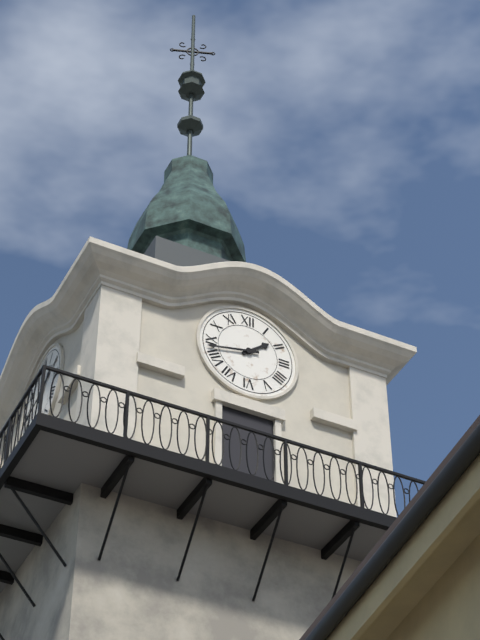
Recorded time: 1.43
